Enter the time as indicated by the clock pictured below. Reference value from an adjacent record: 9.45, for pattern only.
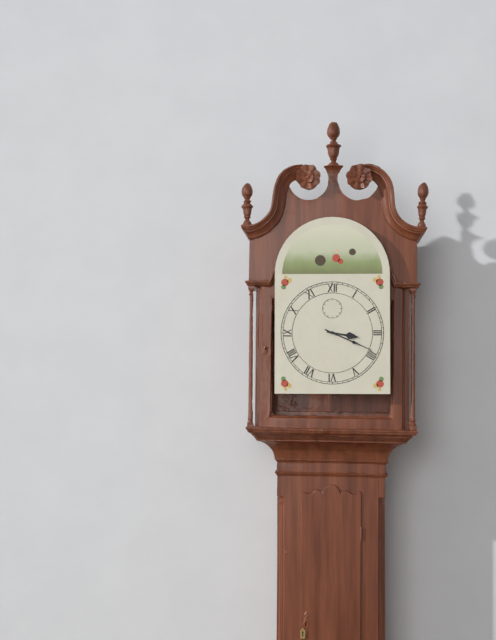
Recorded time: 3.19
